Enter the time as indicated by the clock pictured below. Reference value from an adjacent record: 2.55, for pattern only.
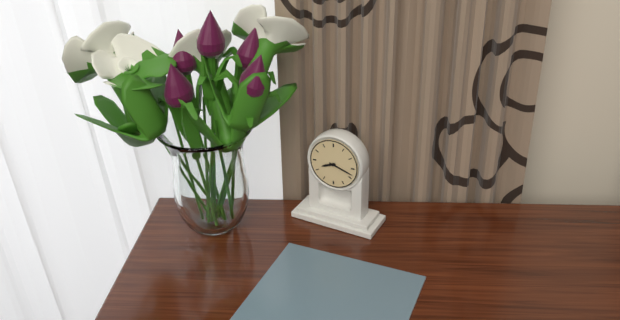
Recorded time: 8.18
